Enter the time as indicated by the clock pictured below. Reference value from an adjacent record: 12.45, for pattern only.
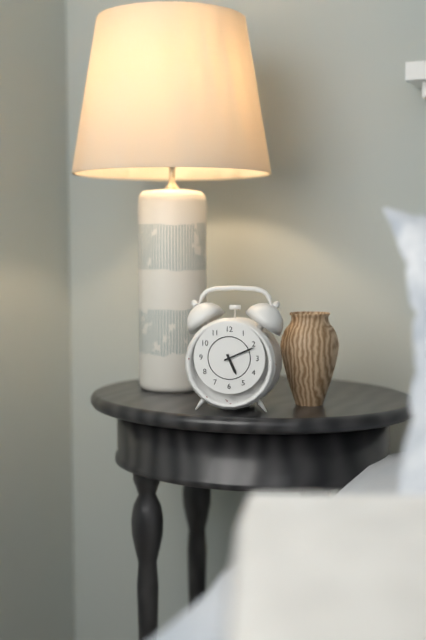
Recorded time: 5.11
